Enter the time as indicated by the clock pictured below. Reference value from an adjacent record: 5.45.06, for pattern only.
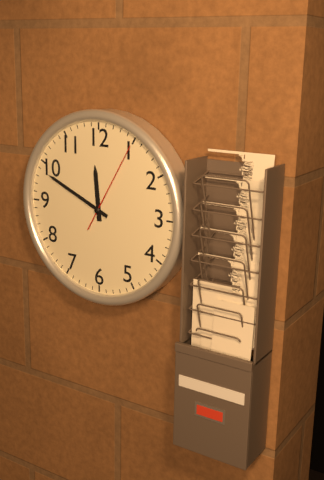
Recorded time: 11.49.05
